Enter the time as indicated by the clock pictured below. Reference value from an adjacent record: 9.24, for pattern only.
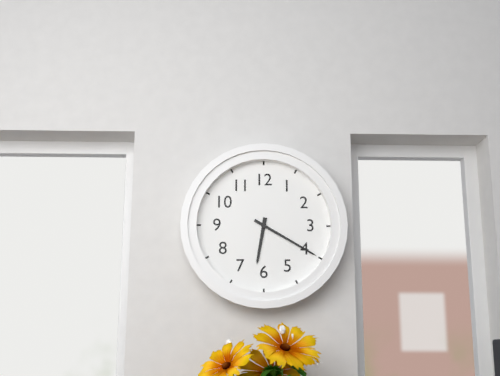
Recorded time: 6.20
